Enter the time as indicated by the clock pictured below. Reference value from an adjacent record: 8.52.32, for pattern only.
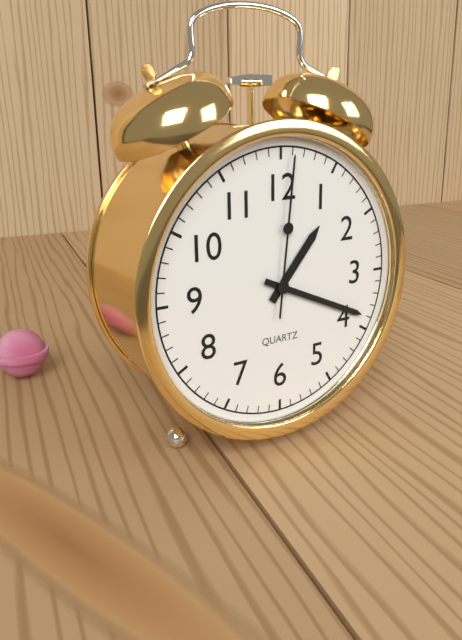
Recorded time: 1.19.01
